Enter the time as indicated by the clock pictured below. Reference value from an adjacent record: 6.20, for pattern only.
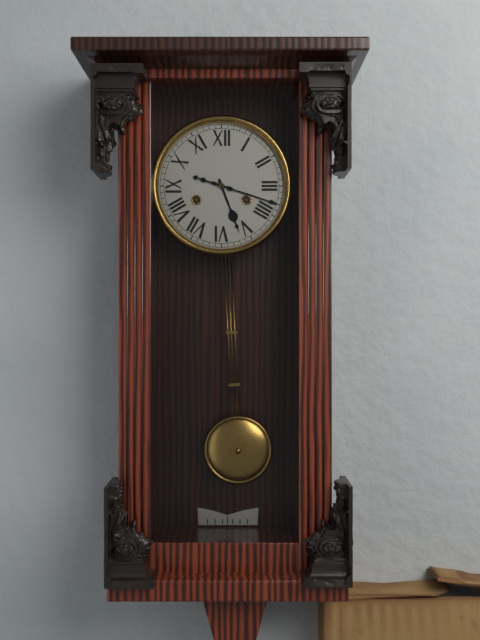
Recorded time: 5.18
